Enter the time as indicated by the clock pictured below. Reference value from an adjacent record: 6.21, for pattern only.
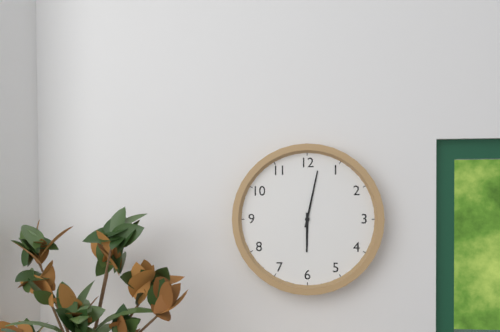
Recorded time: 6.02
